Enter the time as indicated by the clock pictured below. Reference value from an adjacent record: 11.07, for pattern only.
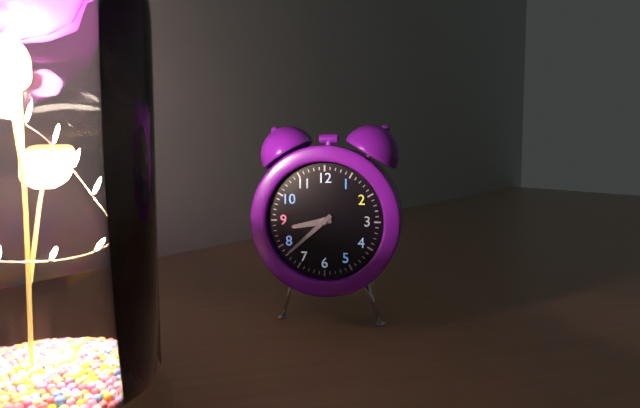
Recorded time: 8.38
